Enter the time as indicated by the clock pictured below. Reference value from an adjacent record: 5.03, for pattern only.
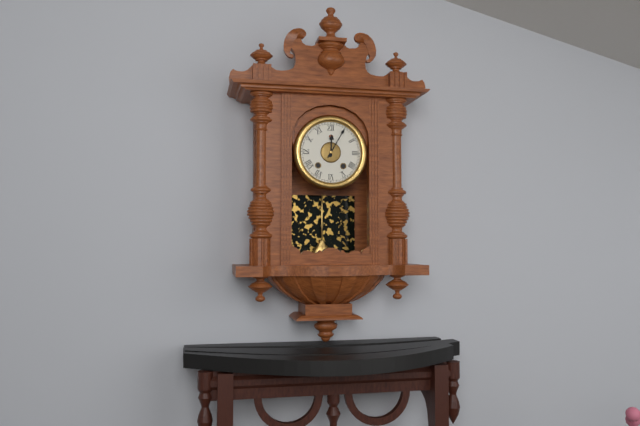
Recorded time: 12.05
